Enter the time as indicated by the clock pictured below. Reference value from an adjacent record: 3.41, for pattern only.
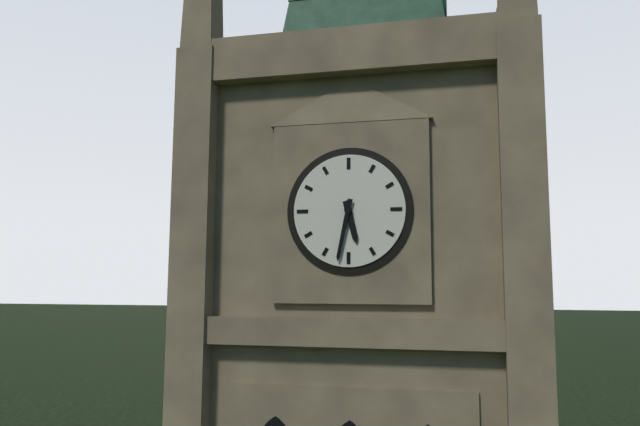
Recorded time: 5.32
